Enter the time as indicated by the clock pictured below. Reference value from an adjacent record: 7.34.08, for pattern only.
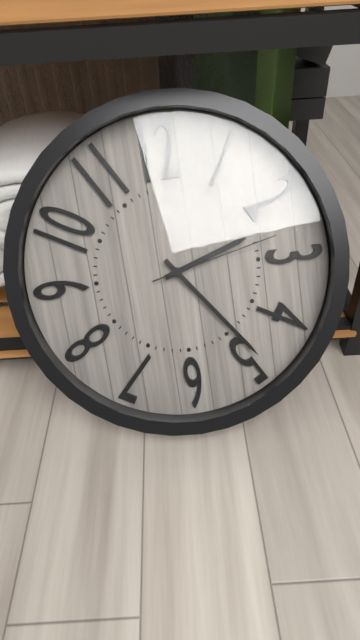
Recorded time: 2.24.13
